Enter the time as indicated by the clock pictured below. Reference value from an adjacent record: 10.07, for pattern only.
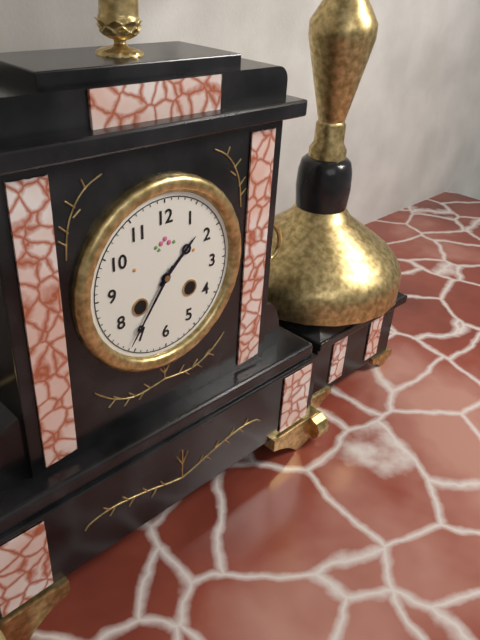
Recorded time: 1.36
